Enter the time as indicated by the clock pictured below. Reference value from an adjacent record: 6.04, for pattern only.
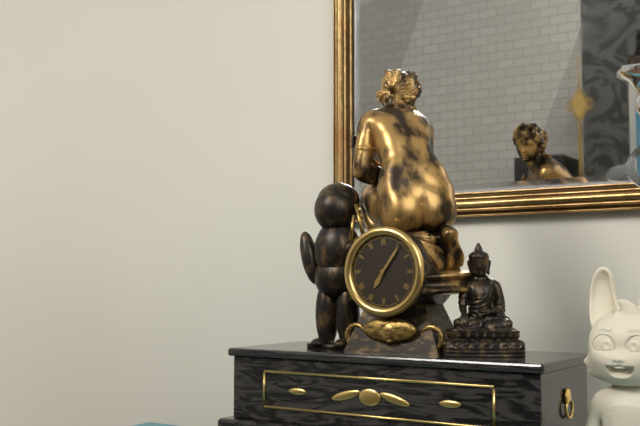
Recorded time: 7.06
